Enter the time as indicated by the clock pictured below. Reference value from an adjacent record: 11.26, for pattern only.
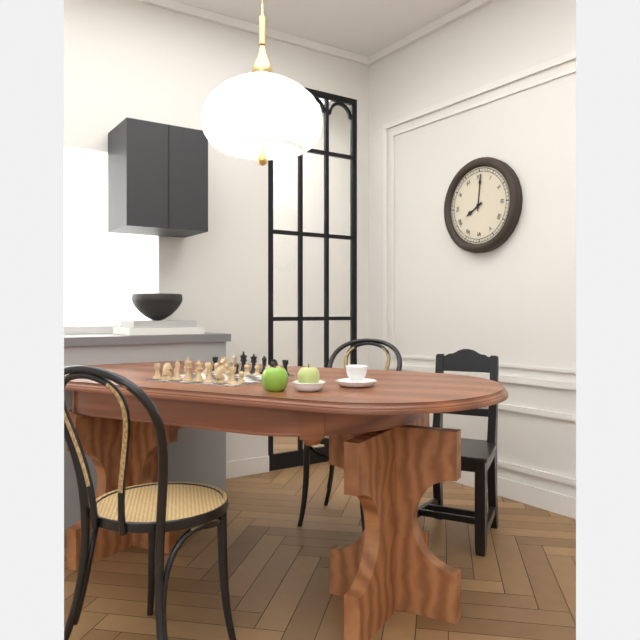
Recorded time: 8.01
